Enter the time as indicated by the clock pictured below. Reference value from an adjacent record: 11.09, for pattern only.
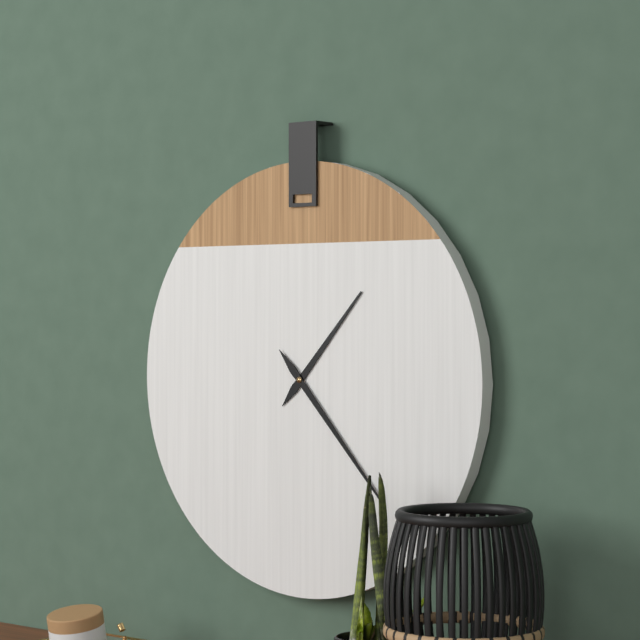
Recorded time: 1.23
